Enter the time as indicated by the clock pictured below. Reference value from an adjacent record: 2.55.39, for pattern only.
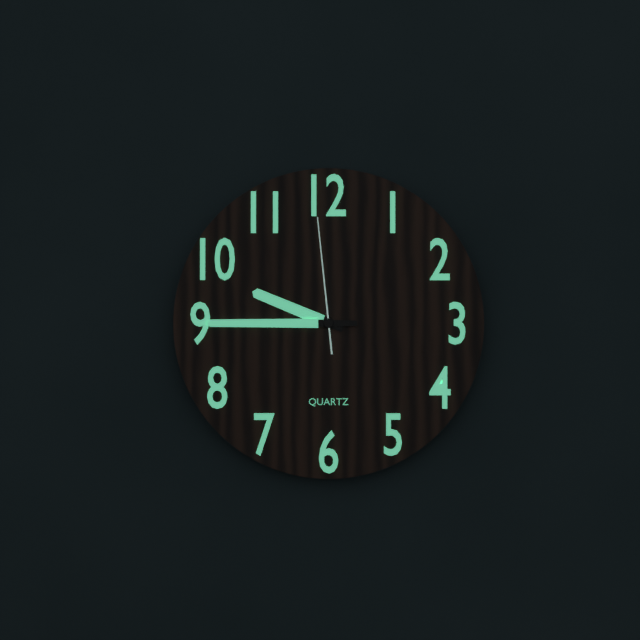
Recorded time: 9.45.59
